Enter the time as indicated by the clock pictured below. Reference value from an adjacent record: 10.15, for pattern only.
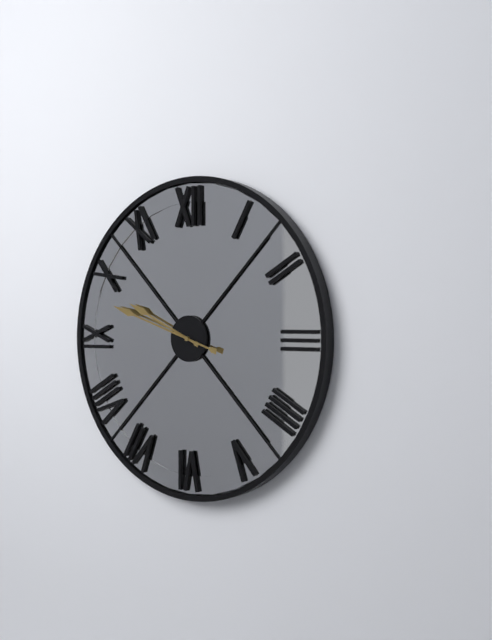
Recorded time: 9.48
